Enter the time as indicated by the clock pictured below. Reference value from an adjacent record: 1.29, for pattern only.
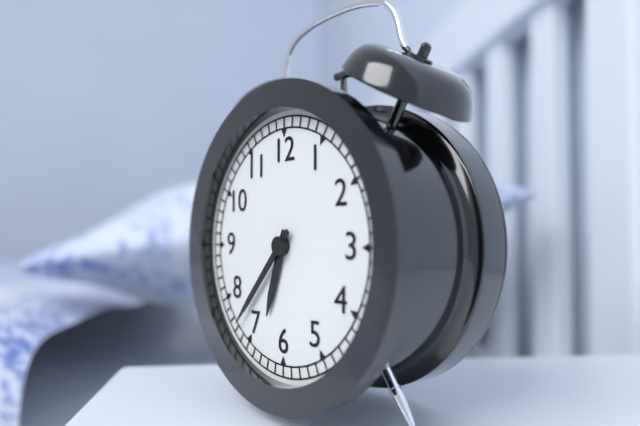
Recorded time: 6.37
